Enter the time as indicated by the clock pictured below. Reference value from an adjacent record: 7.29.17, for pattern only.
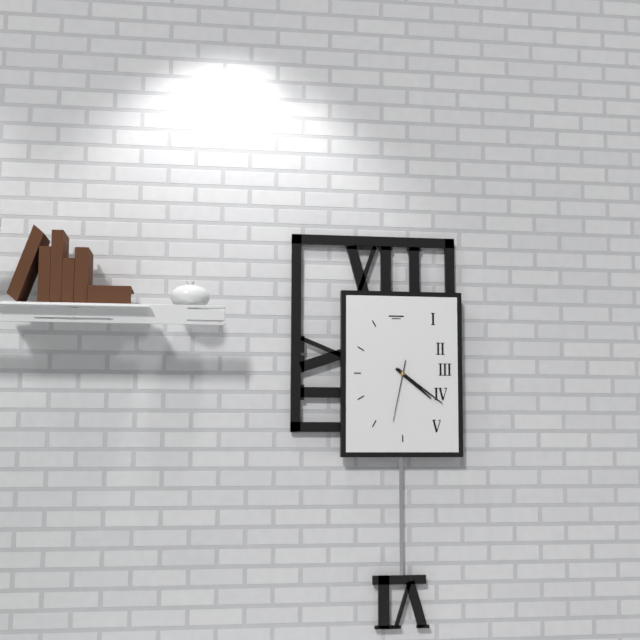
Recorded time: 4.21.32
